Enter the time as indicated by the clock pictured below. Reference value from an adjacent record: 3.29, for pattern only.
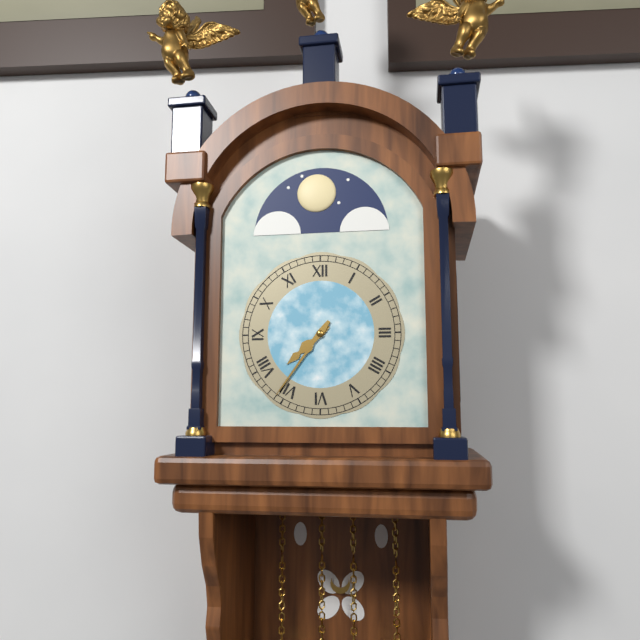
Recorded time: 7.36
